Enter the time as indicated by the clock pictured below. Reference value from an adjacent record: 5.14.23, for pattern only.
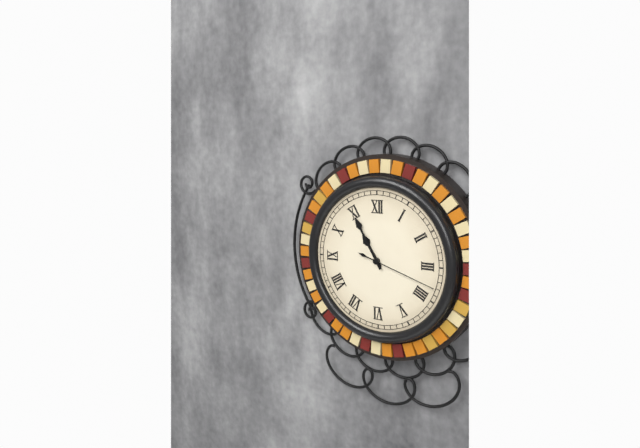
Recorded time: 10.55.18
